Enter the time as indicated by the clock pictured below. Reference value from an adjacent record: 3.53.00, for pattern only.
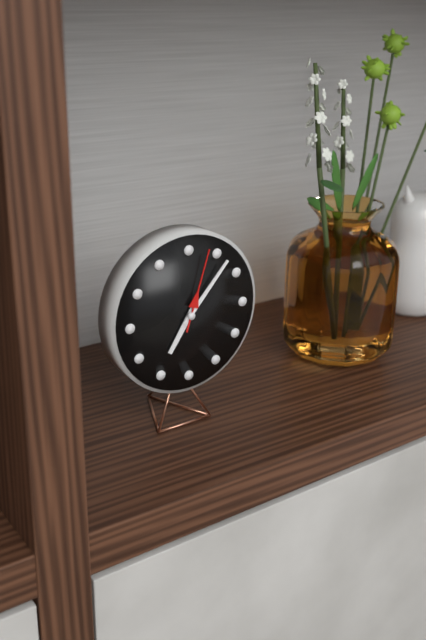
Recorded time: 7.07.03
